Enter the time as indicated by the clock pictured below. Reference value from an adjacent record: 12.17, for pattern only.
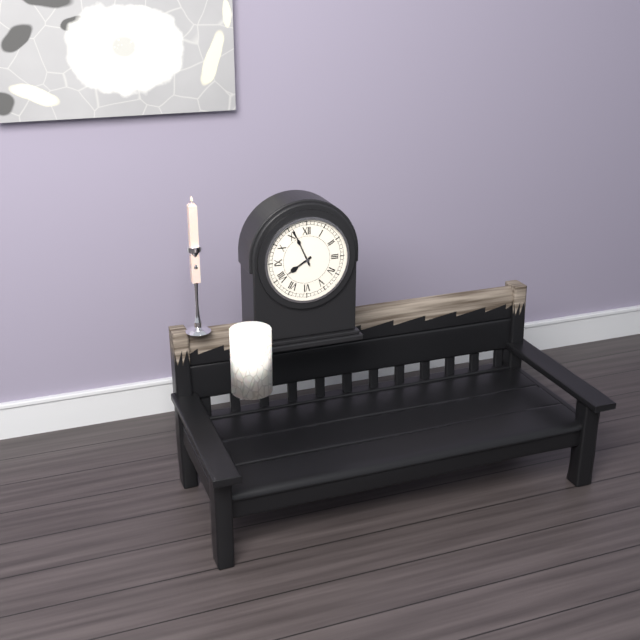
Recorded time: 7.56
